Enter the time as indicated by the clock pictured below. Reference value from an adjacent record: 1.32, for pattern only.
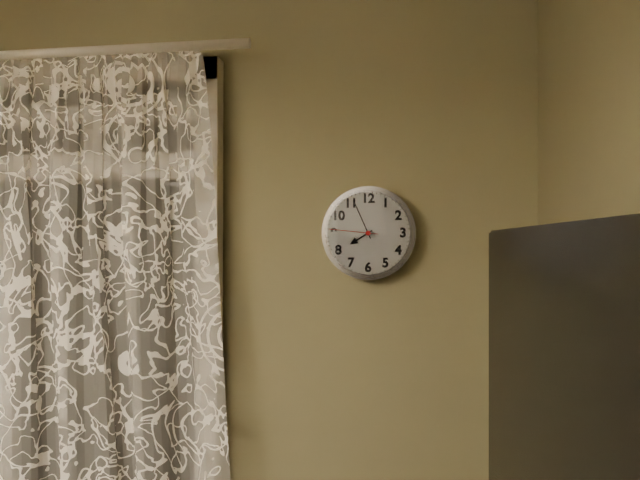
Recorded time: 7.56
